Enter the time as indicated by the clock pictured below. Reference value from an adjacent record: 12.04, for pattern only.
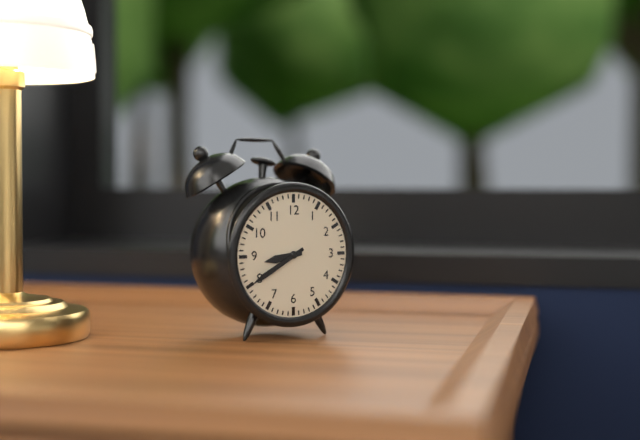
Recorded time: 8.40
